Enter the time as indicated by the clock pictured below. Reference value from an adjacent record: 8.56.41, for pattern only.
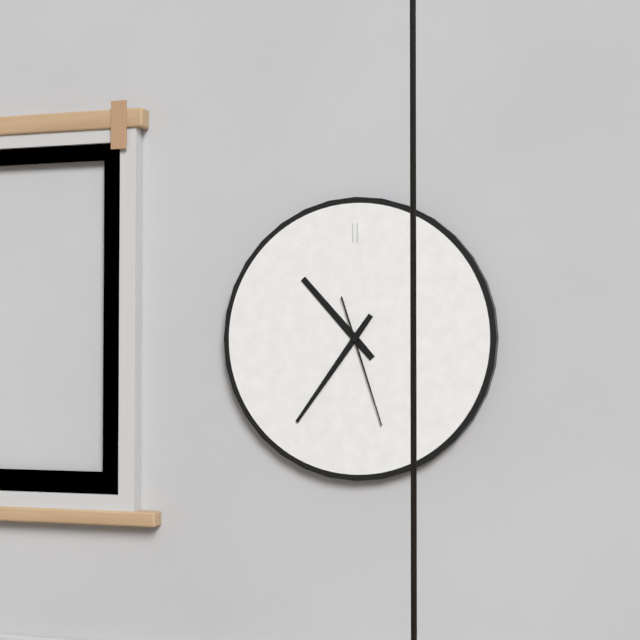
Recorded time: 10.36.27
